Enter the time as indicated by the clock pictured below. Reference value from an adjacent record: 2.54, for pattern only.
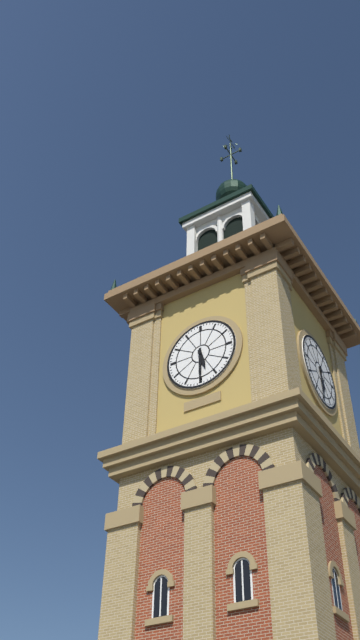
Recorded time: 5.30
